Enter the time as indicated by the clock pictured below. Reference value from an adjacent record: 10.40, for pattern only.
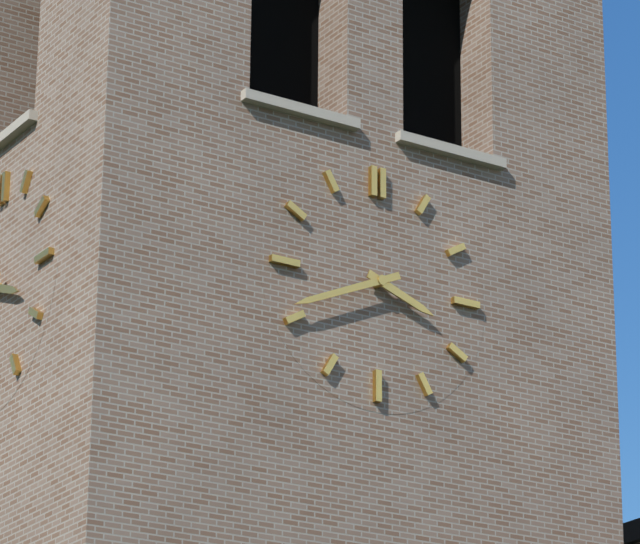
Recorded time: 3.41
